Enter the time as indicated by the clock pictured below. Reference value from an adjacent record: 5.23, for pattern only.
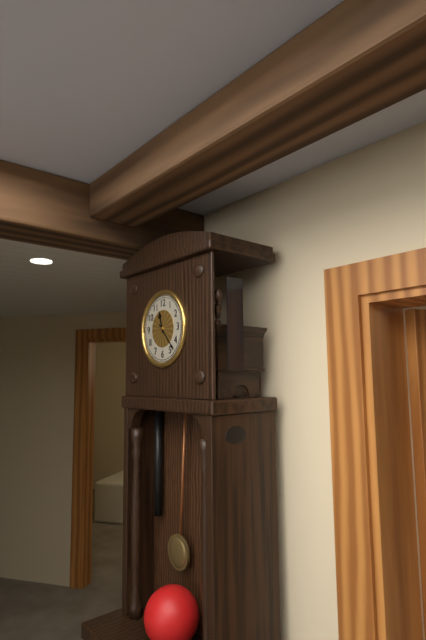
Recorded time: 11.23
